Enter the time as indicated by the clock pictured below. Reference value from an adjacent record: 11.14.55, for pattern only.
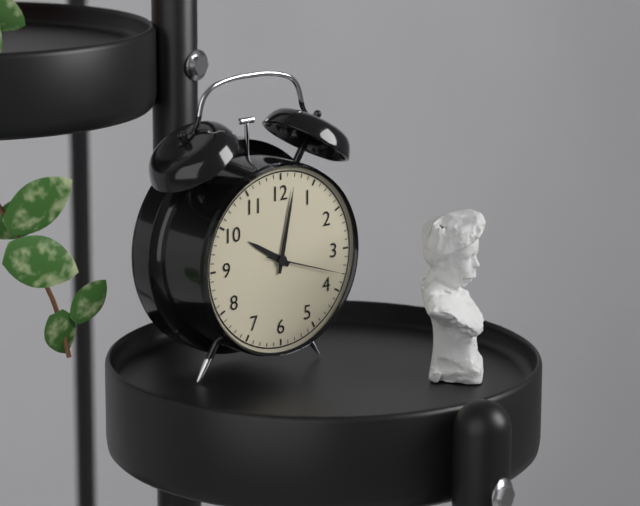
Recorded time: 10.02.18
